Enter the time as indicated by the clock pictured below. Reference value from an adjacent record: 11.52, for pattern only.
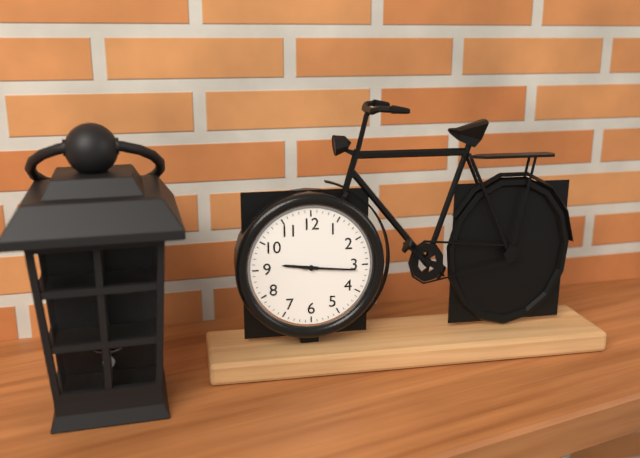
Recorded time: 9.16
